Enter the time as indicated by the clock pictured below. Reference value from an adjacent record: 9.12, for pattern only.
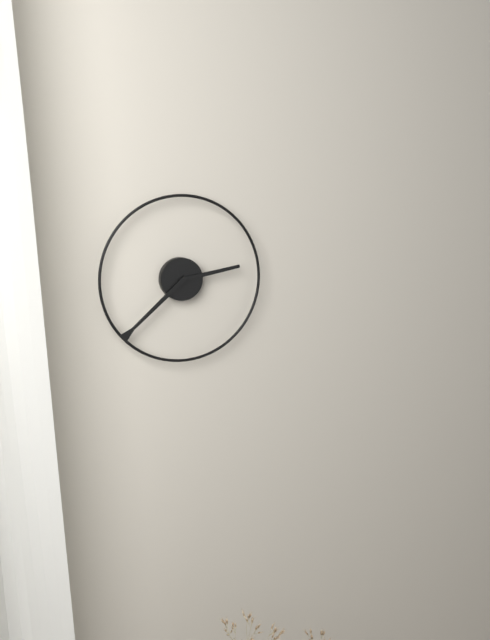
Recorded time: 2.38
